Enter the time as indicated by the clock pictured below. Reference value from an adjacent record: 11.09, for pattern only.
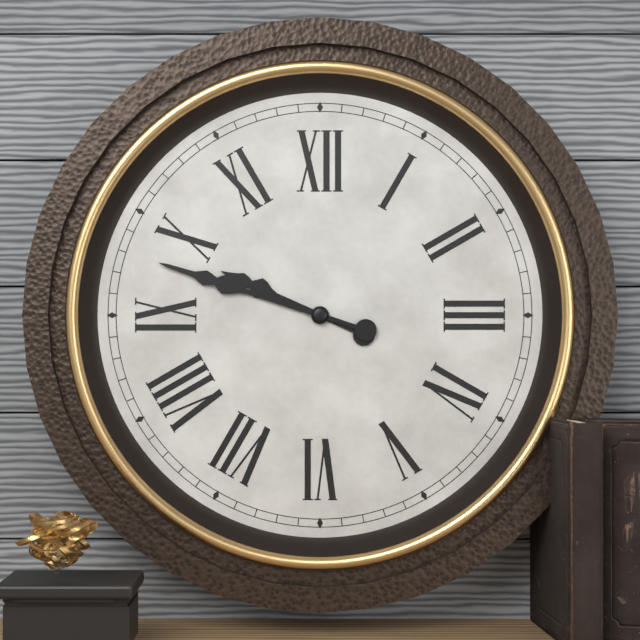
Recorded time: 9.48
